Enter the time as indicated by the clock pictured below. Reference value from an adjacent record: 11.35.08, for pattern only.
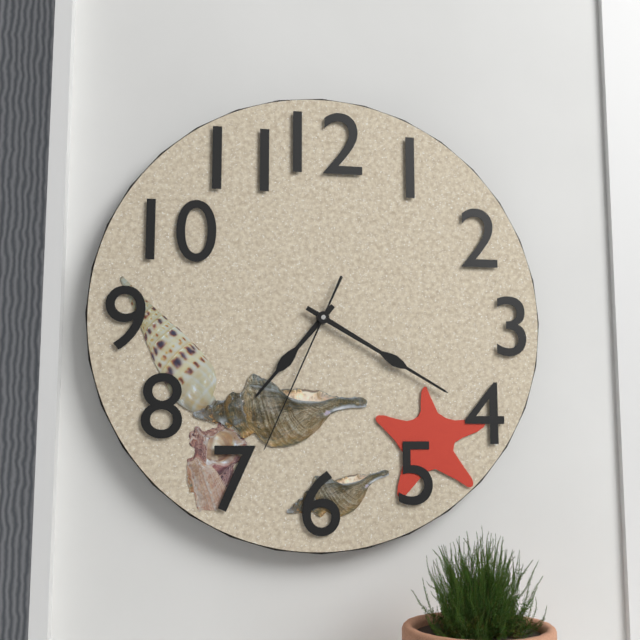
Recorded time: 7.20.34
